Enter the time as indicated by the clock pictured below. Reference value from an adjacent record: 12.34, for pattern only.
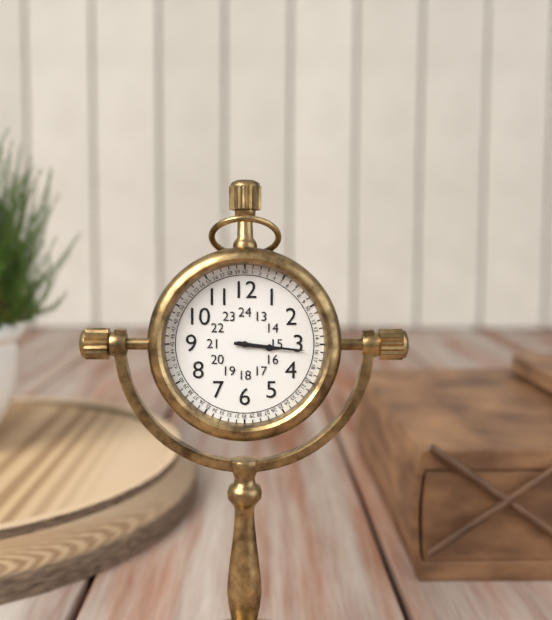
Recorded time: 3.16
